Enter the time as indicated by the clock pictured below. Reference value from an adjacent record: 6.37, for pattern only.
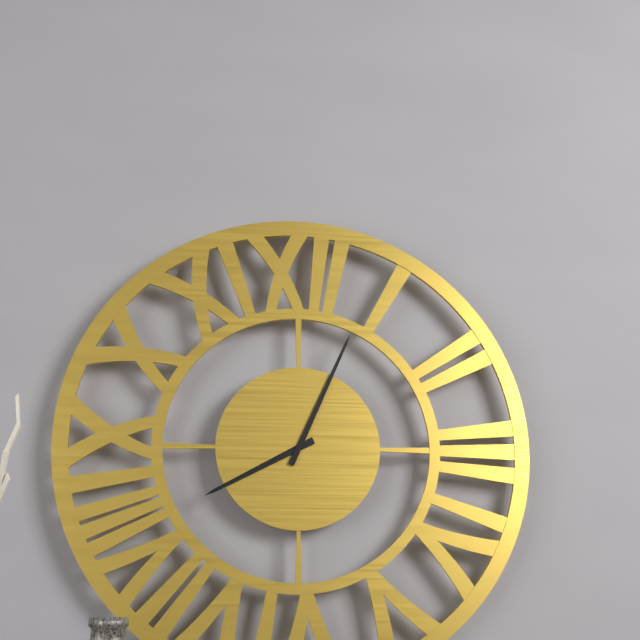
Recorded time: 8.04
